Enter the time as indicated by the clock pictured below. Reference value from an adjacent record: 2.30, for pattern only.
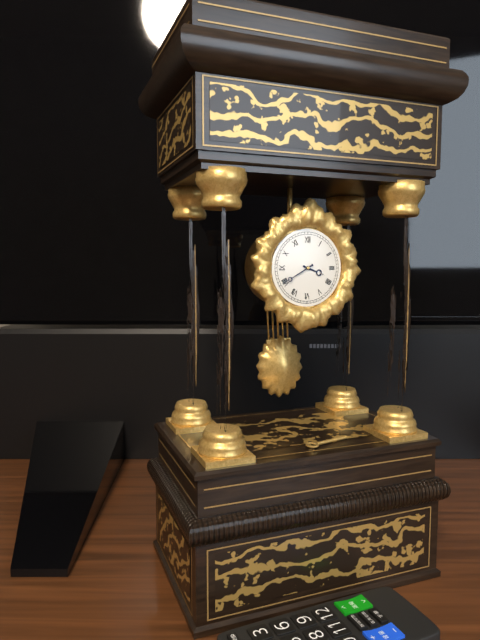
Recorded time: 3.40
